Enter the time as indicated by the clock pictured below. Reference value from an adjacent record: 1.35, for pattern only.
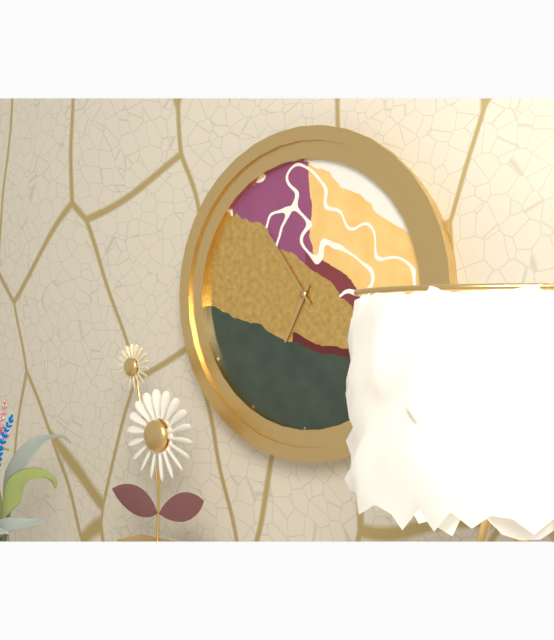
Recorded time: 6.54
